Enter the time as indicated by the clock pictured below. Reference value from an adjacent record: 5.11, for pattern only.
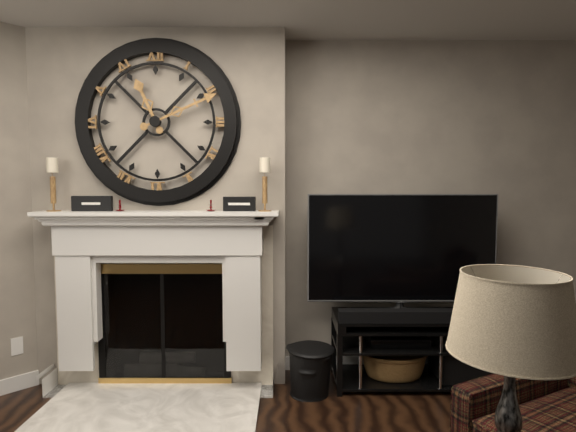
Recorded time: 11.11
